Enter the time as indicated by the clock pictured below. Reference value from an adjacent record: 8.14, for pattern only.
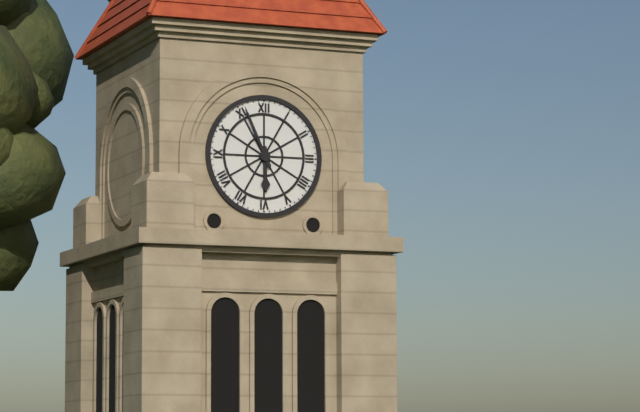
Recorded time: 5.56
